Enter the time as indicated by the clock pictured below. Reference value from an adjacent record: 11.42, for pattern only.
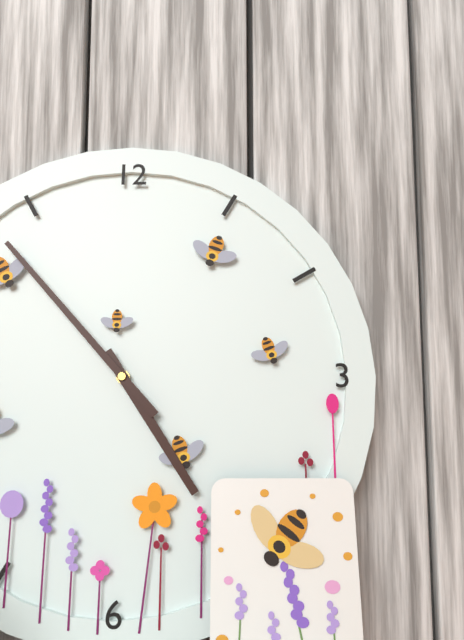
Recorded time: 4.53
